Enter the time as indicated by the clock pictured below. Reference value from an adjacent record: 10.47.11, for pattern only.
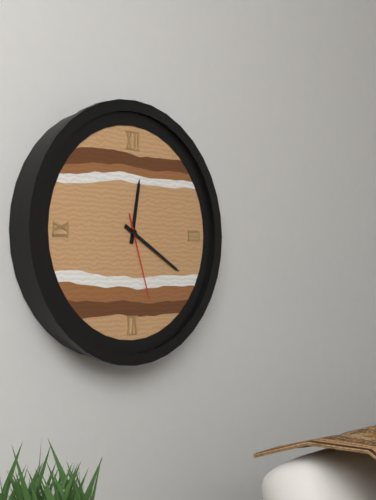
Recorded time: 12.20.27
